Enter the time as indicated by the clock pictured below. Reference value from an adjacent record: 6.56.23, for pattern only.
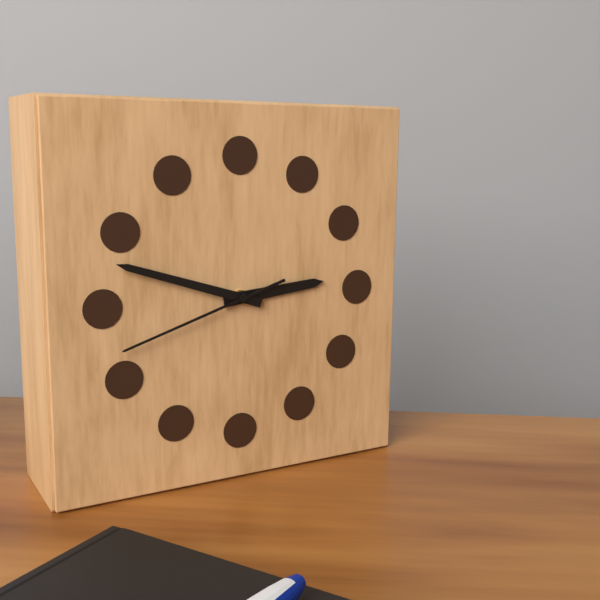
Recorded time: 2.48.42
